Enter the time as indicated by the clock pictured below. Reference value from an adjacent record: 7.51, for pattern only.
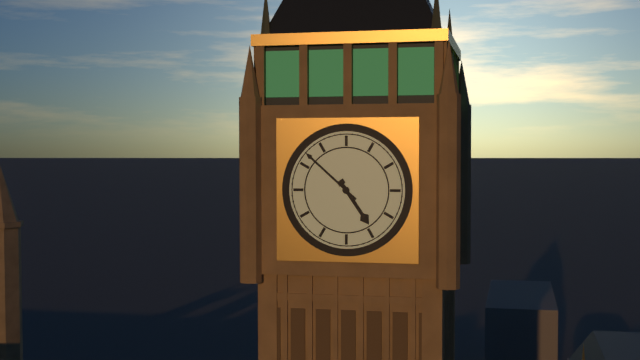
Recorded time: 4.52
